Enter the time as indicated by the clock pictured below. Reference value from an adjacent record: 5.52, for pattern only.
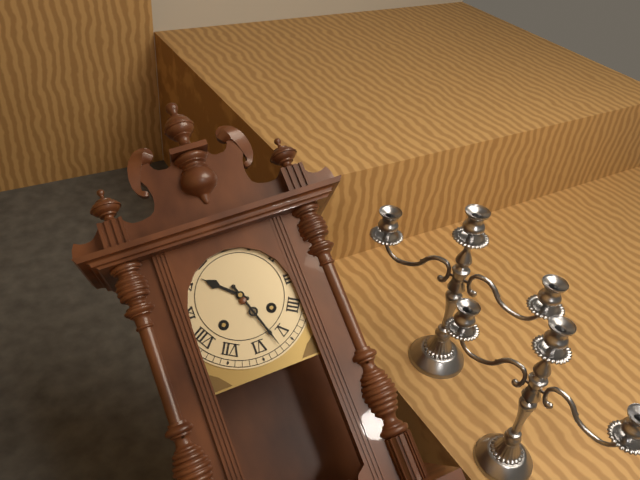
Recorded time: 10.27
